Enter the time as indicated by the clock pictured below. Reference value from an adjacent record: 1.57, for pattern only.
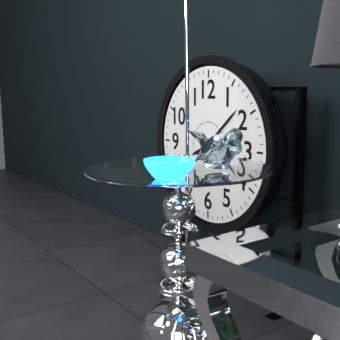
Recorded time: 8.08
